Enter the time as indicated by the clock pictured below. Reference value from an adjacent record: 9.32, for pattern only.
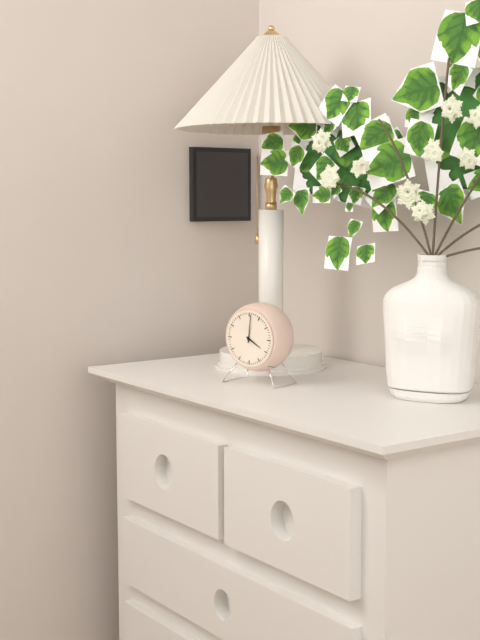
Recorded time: 4.01
